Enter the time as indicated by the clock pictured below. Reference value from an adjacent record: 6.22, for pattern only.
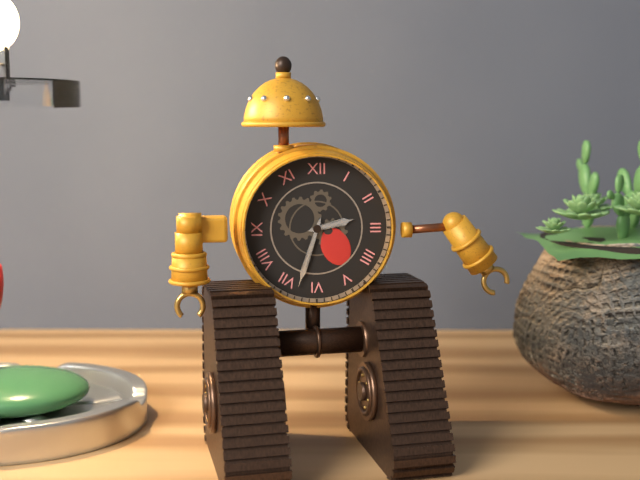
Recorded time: 2.33
